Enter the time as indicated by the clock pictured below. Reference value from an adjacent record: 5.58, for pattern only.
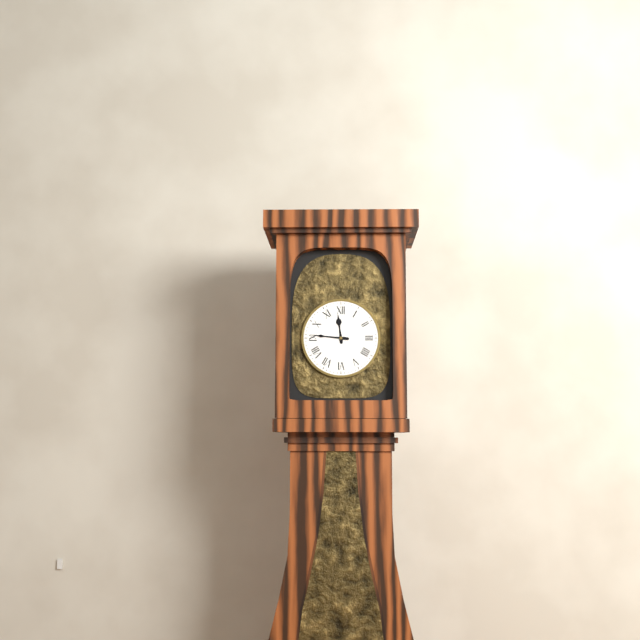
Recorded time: 11.46
